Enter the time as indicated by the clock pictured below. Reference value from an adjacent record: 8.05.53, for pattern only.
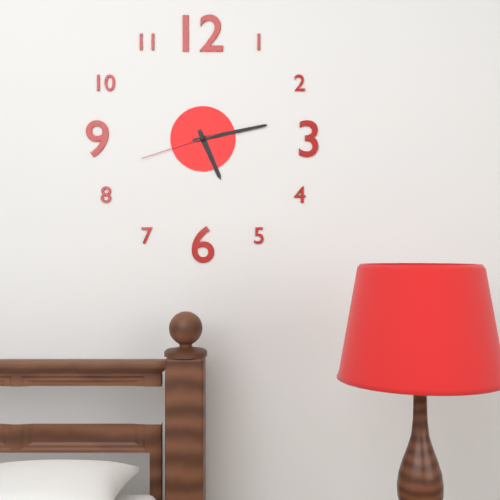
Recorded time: 5.13.42
